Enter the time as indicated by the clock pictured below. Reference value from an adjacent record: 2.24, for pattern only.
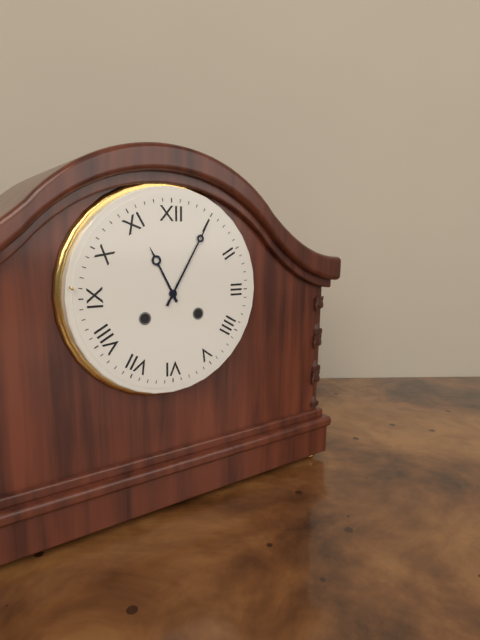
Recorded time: 11.05
